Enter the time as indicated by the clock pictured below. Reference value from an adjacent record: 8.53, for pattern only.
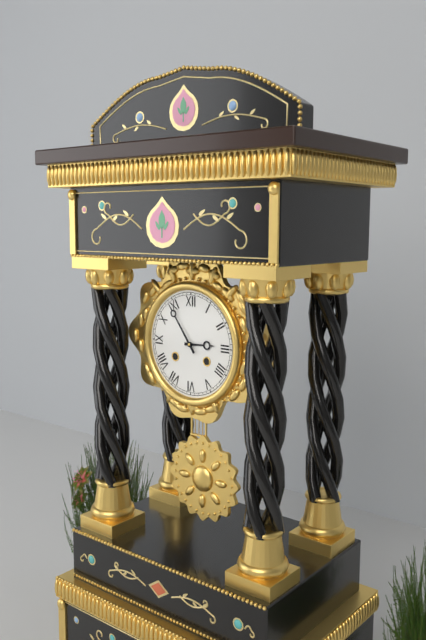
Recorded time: 2.54
